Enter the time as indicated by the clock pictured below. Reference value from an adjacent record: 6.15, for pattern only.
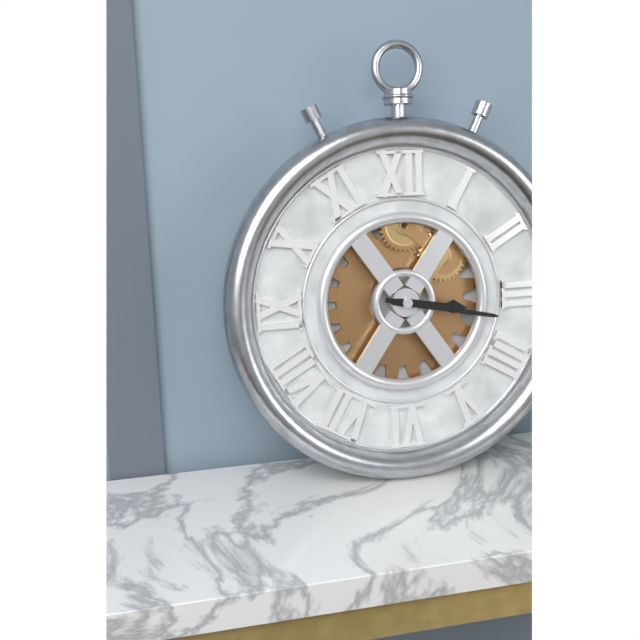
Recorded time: 3.17
